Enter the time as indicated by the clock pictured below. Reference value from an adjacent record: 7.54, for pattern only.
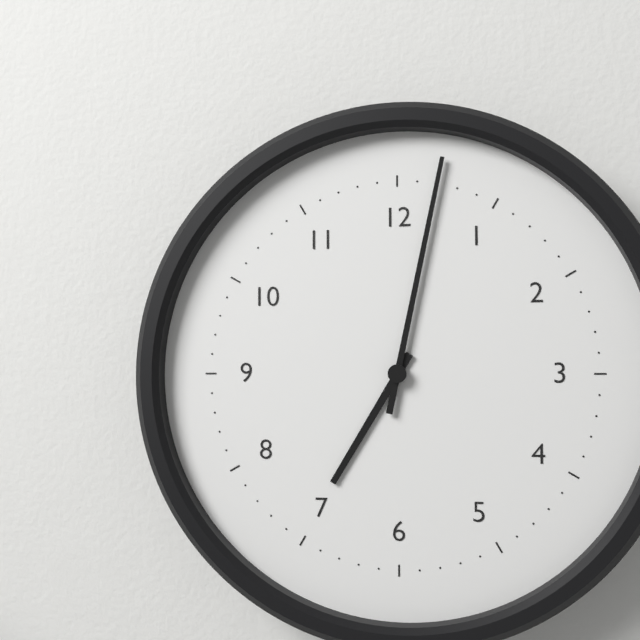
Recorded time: 7.02
